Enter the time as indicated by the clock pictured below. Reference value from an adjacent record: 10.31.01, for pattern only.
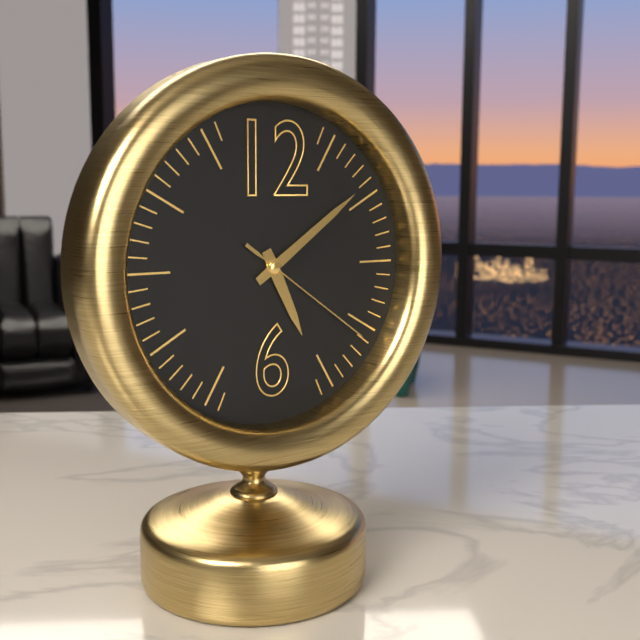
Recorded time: 5.09.21
